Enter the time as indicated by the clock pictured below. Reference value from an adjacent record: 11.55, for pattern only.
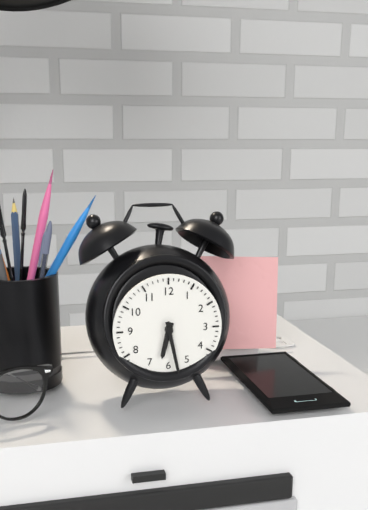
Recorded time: 6.28
